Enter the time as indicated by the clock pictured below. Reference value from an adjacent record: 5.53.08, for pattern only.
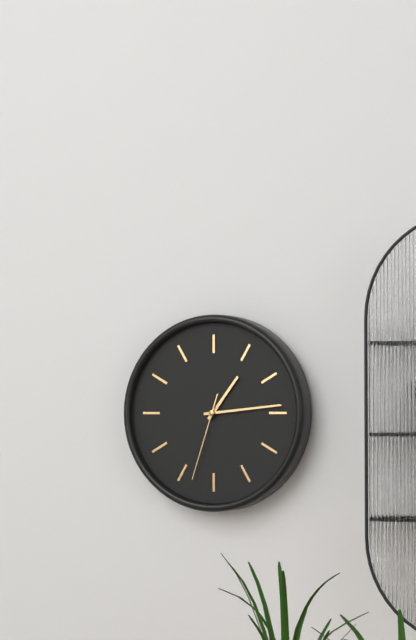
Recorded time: 1.14.33
